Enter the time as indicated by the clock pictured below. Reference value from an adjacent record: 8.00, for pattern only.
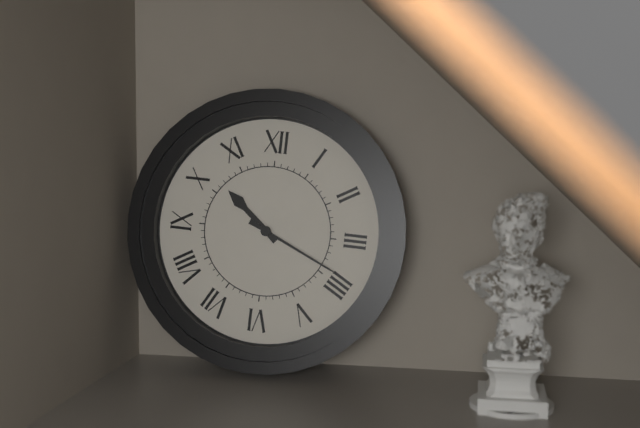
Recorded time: 10.19
